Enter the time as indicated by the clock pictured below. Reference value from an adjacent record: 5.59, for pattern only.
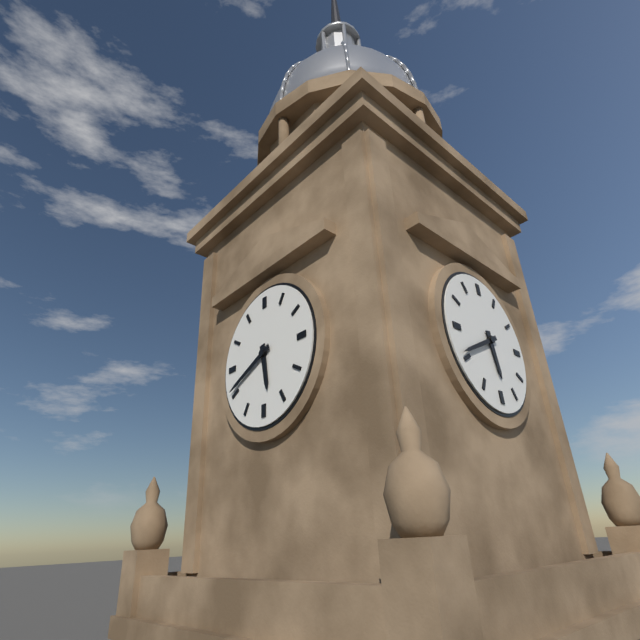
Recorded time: 5.41
